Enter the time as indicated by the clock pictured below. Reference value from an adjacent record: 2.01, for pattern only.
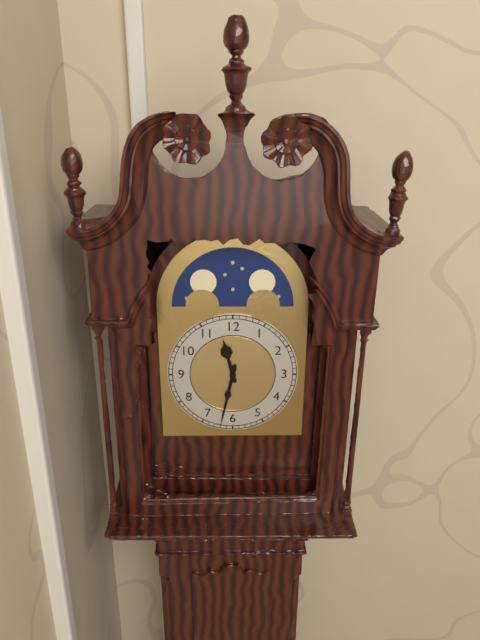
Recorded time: 11.32
